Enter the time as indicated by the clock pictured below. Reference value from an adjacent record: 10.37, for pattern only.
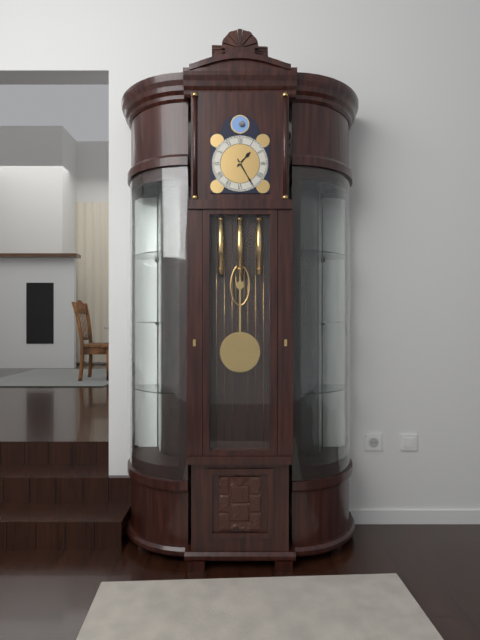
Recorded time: 1.25
